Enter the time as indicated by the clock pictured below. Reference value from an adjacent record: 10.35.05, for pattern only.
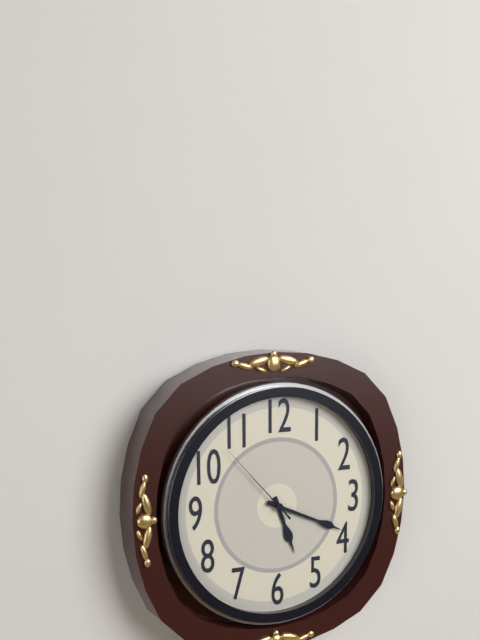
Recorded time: 5.19.53
